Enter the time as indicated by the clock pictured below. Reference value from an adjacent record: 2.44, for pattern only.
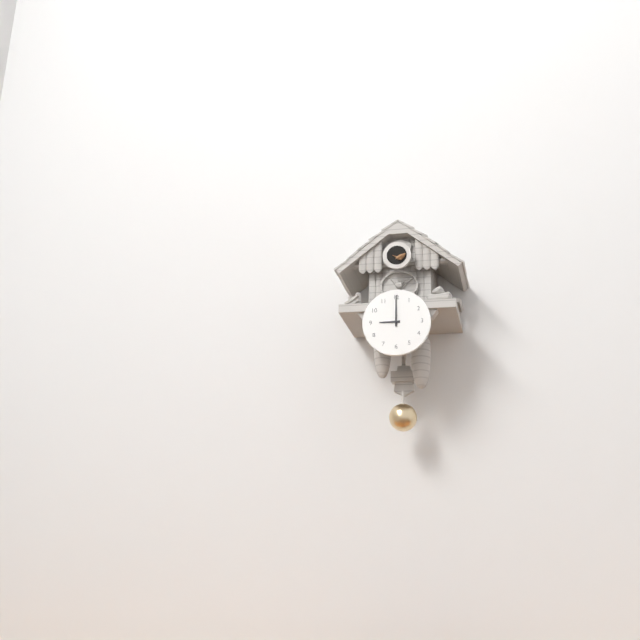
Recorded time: 9.00
